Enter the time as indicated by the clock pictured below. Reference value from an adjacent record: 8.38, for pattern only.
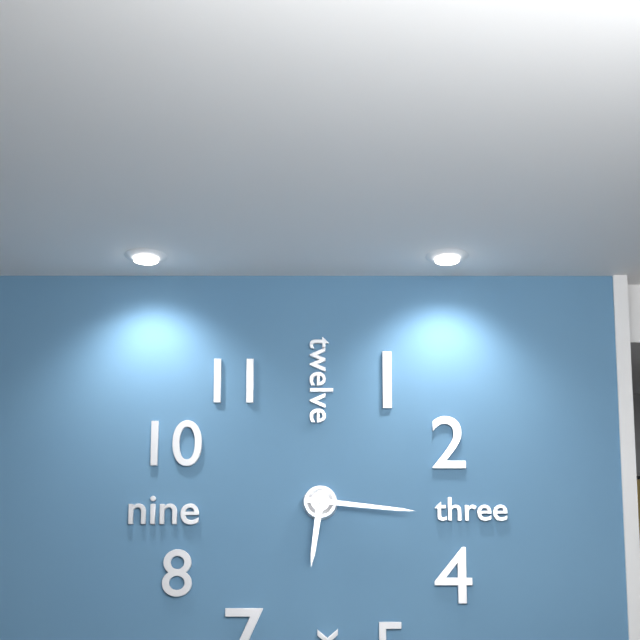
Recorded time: 6.16
